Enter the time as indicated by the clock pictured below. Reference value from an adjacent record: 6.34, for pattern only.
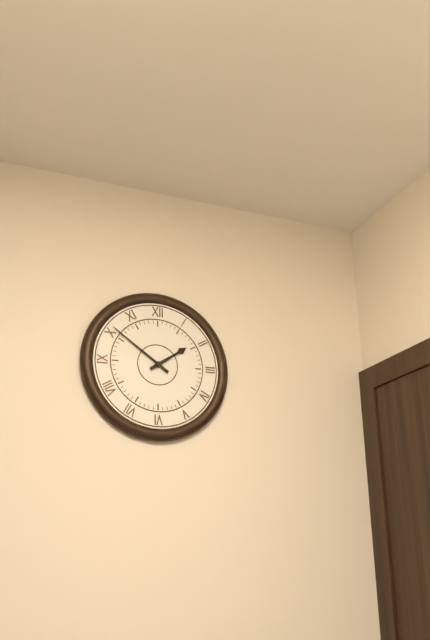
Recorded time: 1.51
